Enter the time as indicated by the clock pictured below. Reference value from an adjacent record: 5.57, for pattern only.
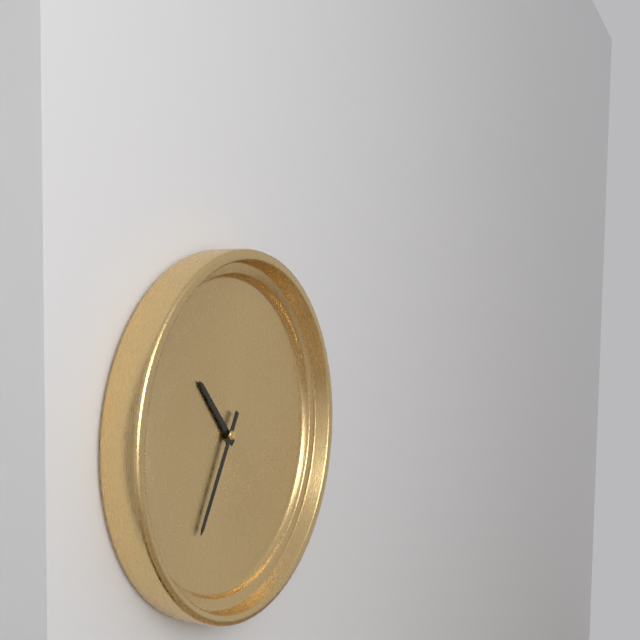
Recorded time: 10.35
